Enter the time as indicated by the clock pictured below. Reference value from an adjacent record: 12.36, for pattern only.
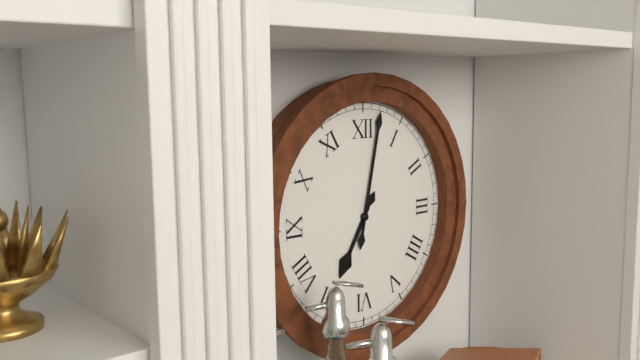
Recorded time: 7.02
